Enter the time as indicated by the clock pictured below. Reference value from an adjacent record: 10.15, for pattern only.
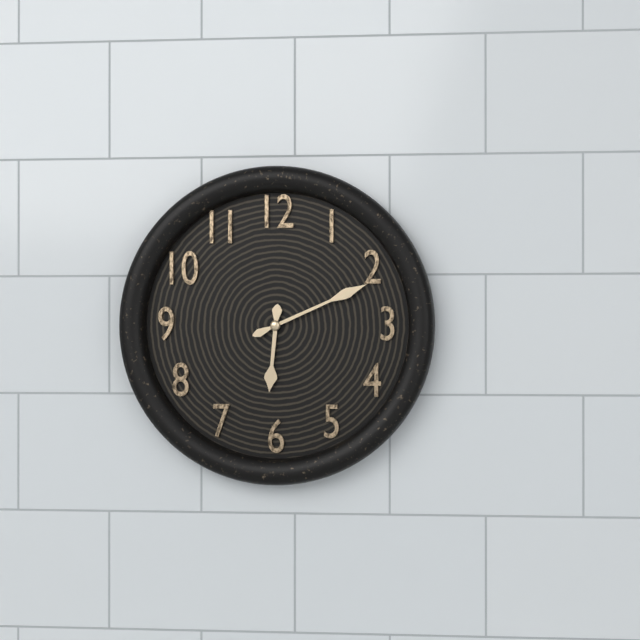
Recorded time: 6.11
